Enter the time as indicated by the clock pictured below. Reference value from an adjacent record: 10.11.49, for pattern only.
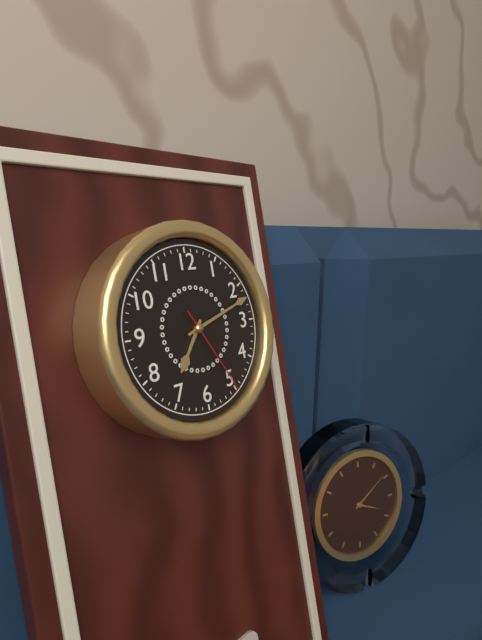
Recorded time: 7.12.25
